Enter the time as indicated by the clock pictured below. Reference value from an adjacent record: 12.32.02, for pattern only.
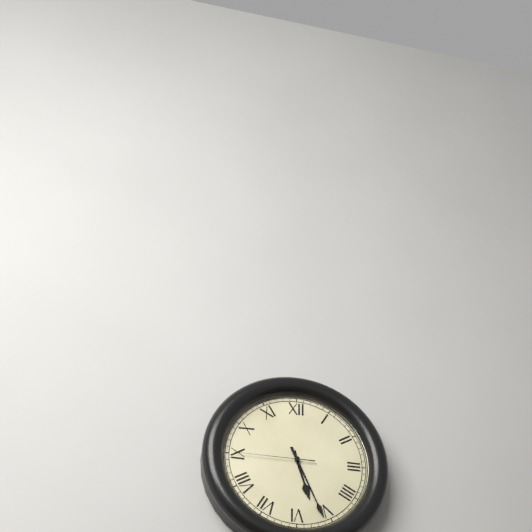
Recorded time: 5.26.45
